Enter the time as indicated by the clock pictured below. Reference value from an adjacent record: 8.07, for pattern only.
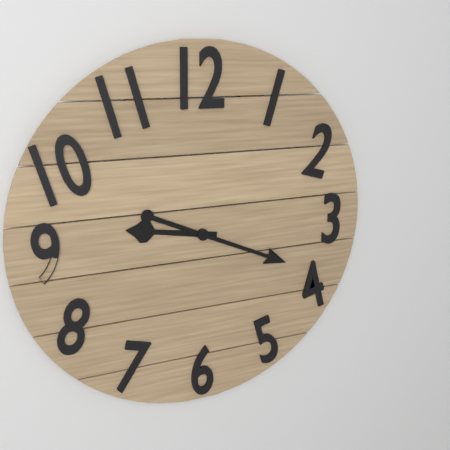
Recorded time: 9.19
